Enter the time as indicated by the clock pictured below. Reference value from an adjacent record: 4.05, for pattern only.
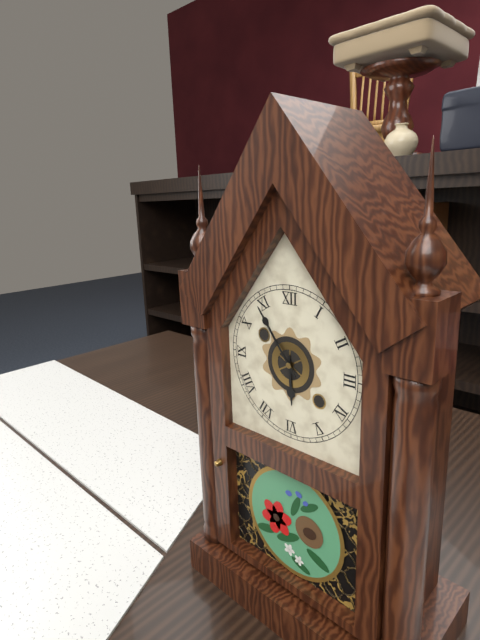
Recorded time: 5.54
